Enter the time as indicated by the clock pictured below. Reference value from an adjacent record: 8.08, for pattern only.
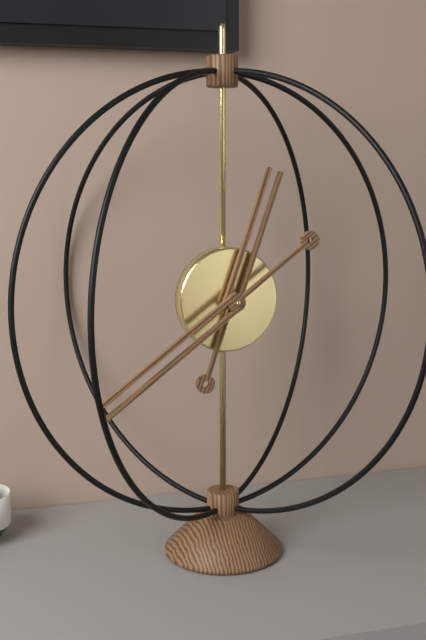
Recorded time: 12.39
